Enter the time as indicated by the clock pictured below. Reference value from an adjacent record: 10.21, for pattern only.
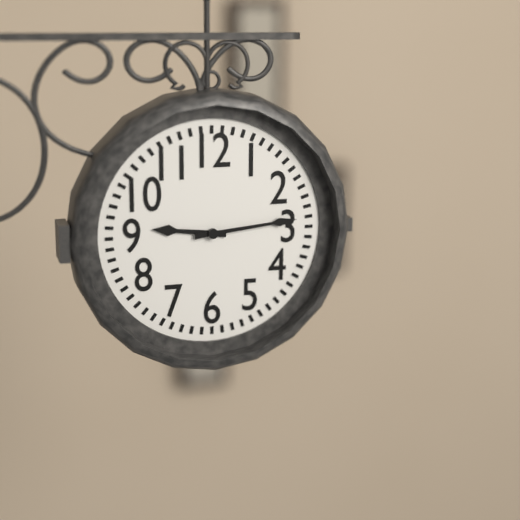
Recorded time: 9.14
